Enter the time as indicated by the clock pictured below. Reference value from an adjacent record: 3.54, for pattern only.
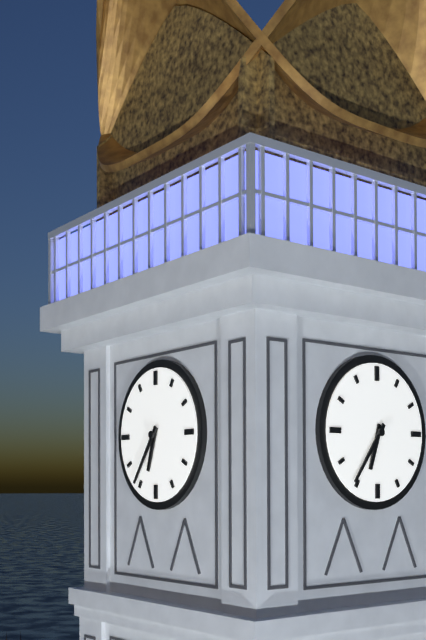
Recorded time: 6.36
